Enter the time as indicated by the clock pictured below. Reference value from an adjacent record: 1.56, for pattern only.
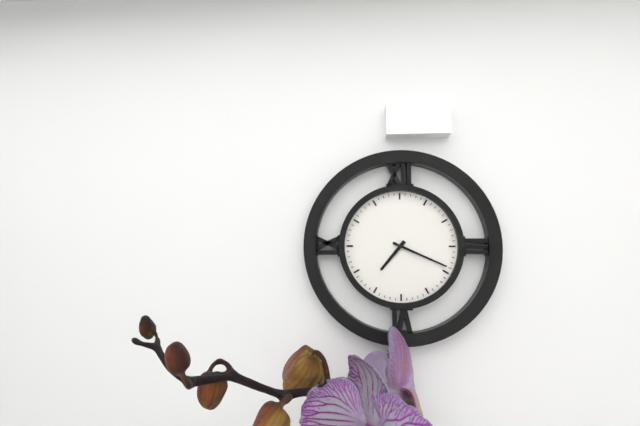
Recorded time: 7.19
